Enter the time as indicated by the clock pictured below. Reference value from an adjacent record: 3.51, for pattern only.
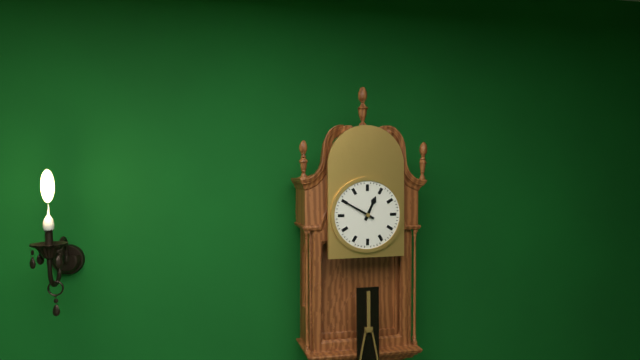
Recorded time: 12.50
